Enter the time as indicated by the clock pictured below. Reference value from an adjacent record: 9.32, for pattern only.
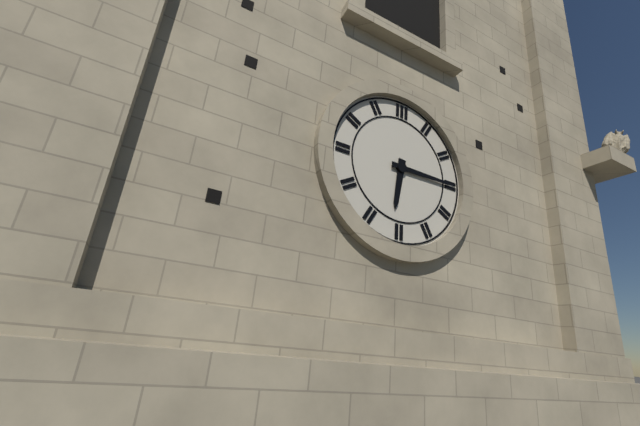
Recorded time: 6.15
